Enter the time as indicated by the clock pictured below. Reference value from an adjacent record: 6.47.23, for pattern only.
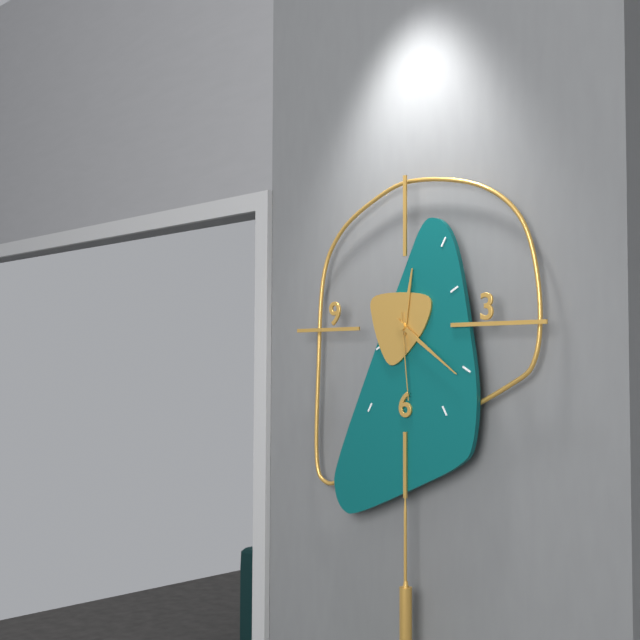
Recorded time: 12.21.29
